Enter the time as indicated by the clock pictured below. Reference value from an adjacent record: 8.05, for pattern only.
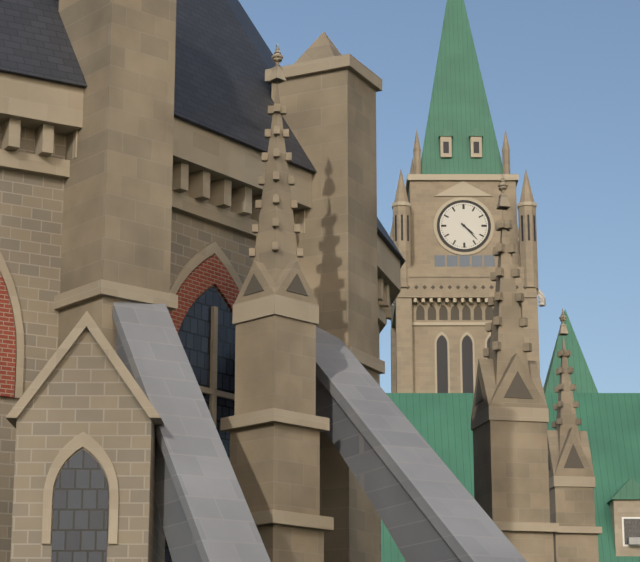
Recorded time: 4.23
